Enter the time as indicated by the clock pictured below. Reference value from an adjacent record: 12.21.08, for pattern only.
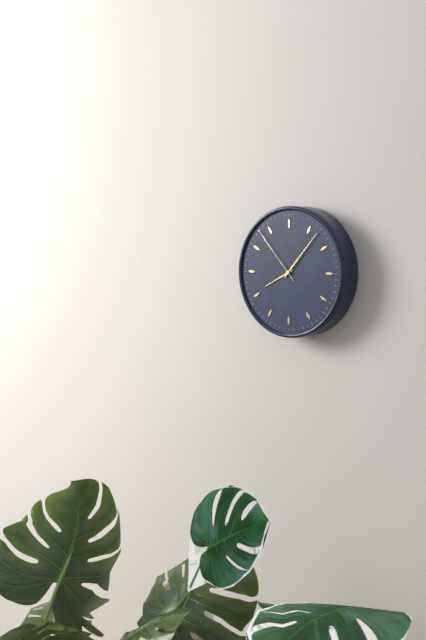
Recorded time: 8.07.53
